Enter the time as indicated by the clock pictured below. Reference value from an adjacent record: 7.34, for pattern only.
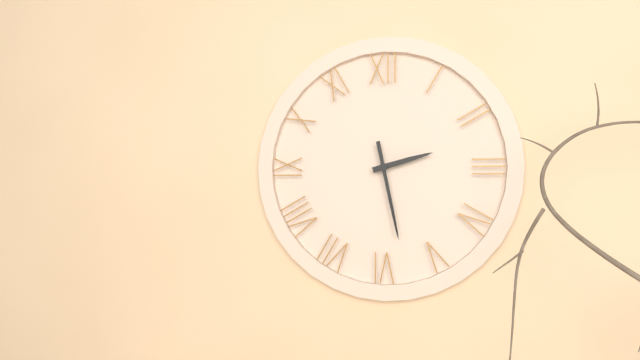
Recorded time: 2.28
